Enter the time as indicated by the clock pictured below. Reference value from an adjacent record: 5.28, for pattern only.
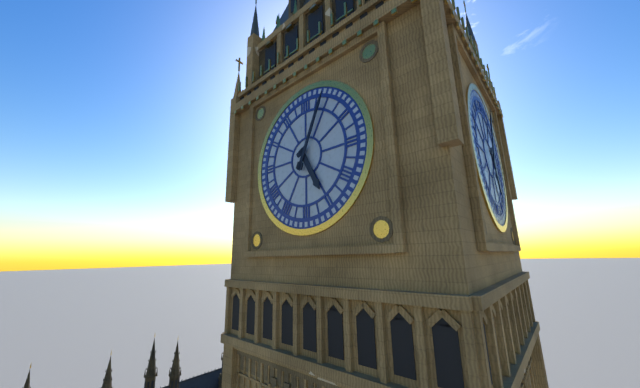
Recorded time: 5.04
